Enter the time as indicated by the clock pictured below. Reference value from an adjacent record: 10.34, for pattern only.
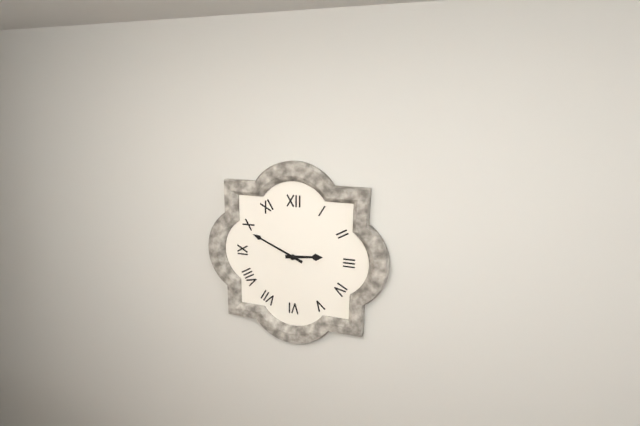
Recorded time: 2.49
